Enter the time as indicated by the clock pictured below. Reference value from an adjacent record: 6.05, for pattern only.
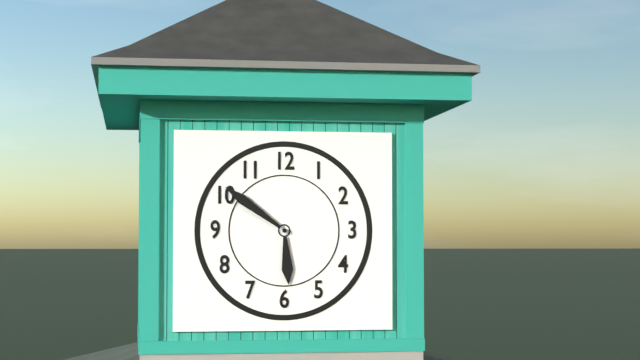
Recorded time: 5.51
